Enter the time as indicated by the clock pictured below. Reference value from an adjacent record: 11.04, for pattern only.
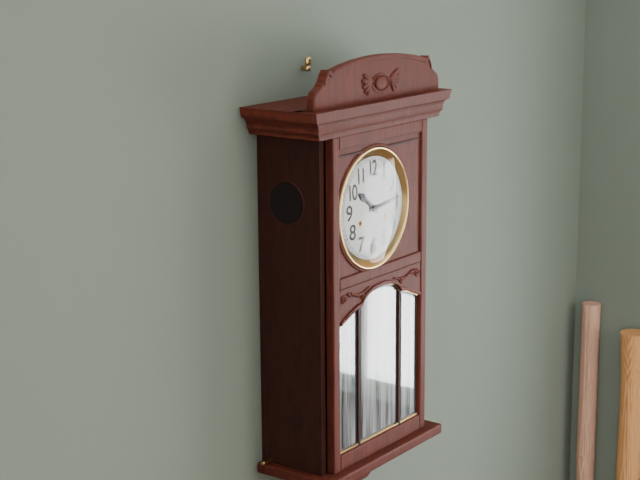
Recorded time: 10.14
